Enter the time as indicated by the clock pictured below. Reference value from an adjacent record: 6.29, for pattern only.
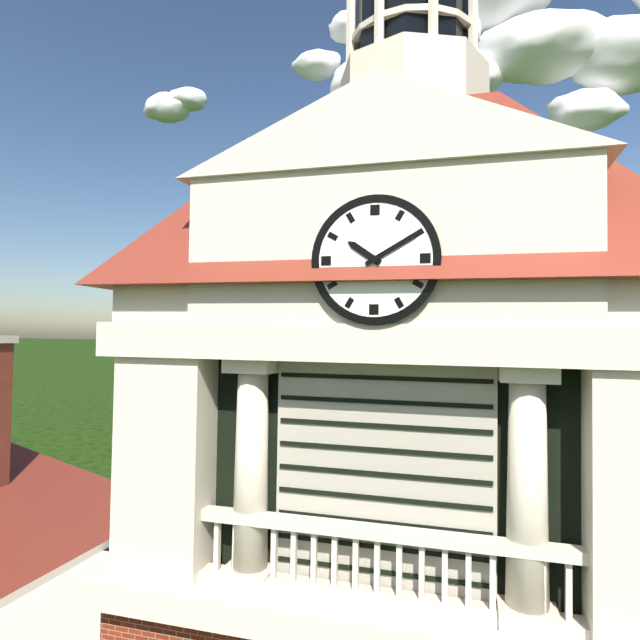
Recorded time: 10.10
